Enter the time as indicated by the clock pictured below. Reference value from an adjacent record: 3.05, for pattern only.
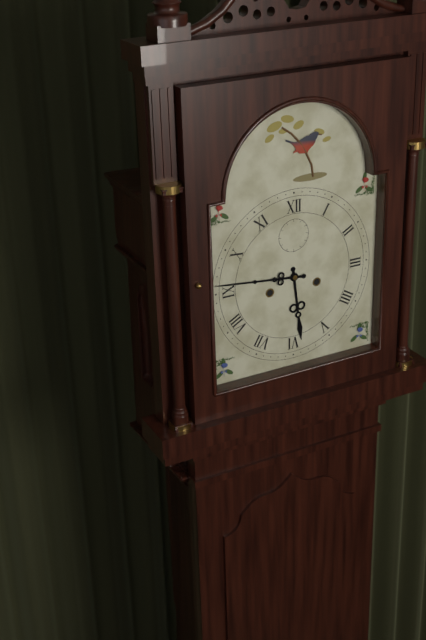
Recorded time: 5.46
